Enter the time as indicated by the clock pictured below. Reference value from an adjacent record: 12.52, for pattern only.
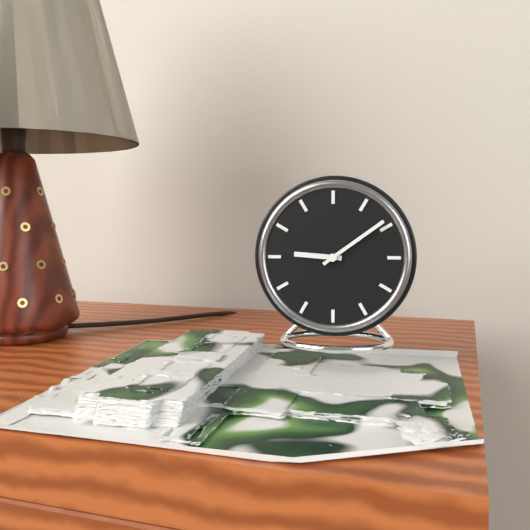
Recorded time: 9.09
